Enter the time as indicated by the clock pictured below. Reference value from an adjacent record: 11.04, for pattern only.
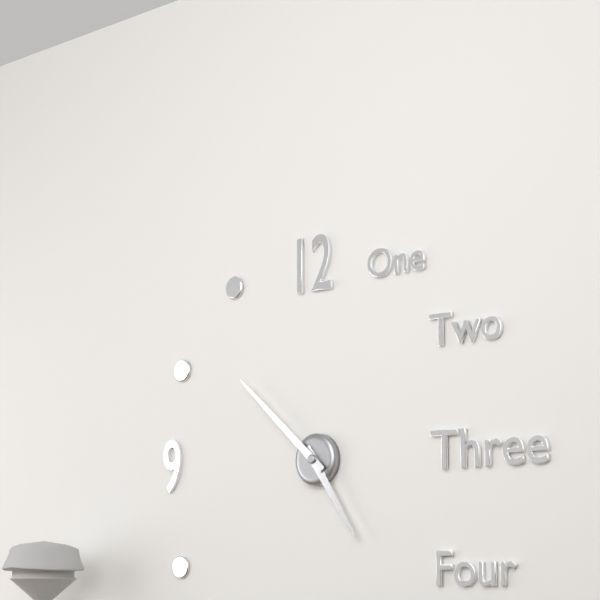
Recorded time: 4.52
